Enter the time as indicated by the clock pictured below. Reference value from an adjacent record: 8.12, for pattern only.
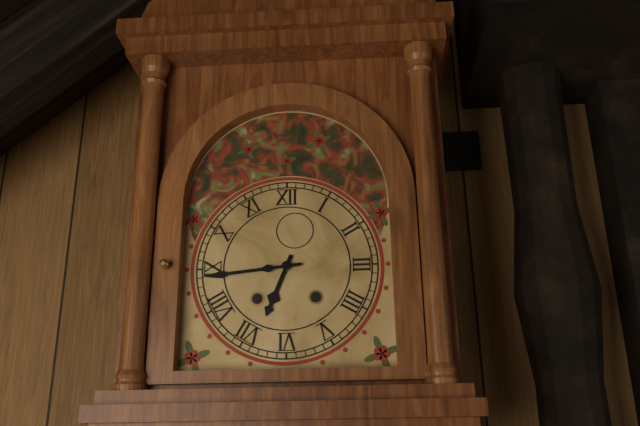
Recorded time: 6.44
